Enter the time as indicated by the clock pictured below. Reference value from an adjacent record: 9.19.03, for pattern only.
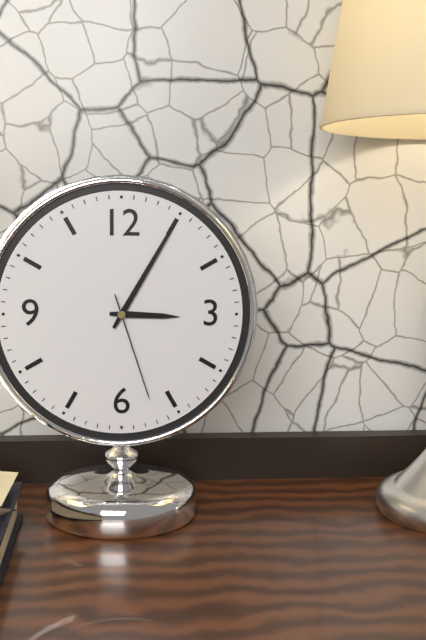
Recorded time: 3.05.27
